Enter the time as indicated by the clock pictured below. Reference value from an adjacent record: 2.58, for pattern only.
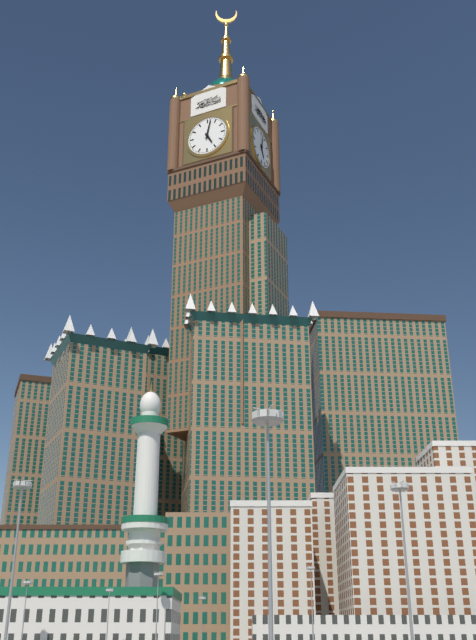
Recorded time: 5.02
